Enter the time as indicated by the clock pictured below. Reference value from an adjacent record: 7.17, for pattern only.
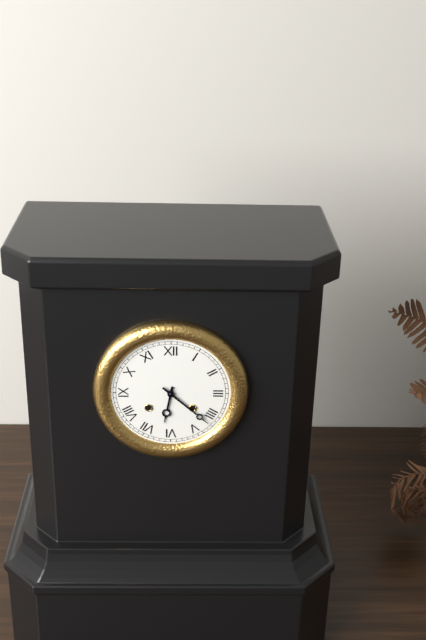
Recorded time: 6.22
